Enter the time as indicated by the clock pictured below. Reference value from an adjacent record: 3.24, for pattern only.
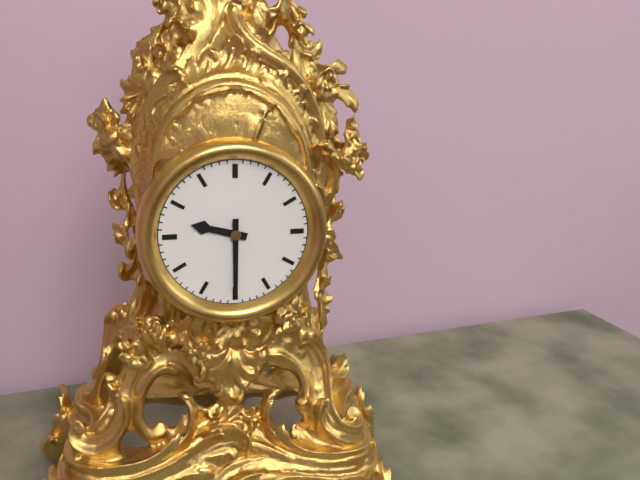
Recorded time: 9.30
